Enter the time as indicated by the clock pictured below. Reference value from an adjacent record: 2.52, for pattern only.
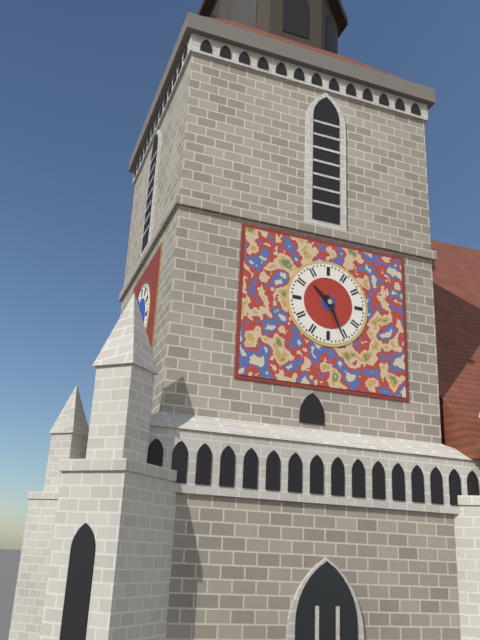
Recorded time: 10.26
